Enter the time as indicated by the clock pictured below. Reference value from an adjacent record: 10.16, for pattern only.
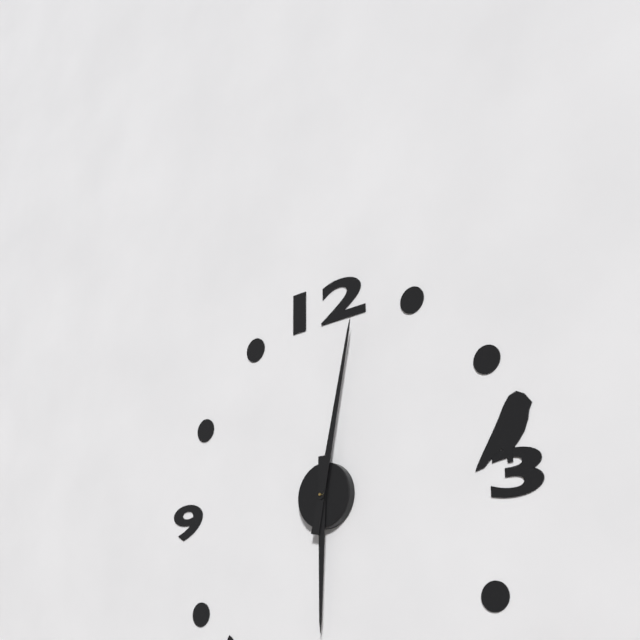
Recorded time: 6.02
